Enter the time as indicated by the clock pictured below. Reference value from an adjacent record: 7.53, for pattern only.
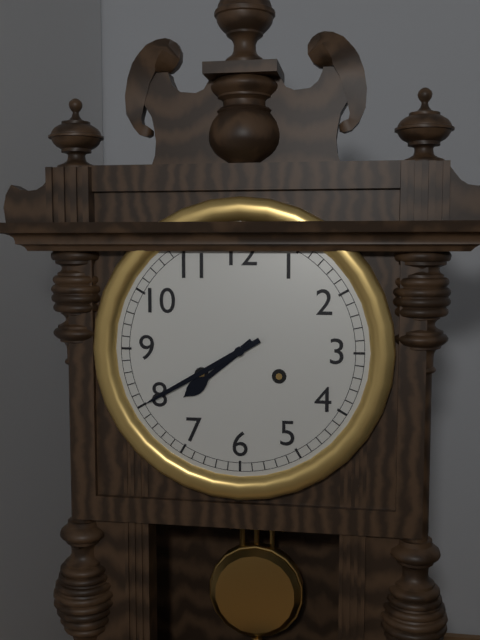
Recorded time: 7.40
